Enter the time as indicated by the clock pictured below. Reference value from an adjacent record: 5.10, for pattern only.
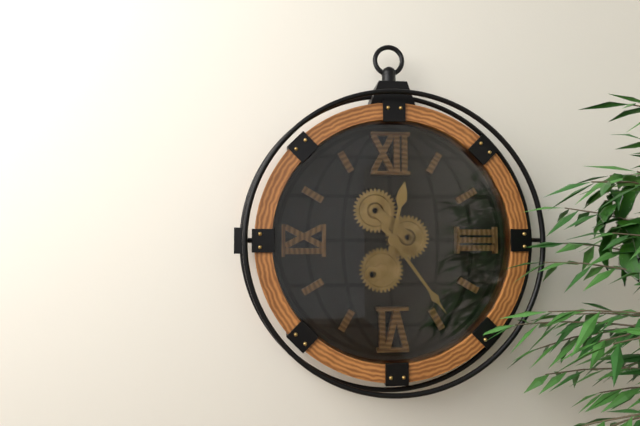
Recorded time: 12.24
